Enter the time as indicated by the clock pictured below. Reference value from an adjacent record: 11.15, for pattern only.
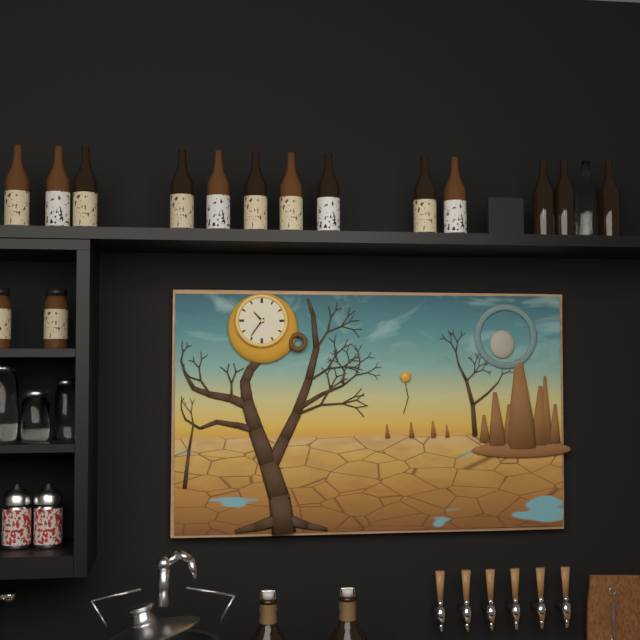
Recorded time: 10.36
